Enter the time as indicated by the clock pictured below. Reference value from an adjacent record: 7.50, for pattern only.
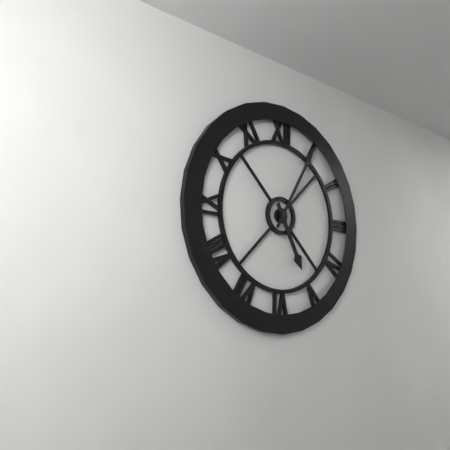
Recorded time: 5.05
